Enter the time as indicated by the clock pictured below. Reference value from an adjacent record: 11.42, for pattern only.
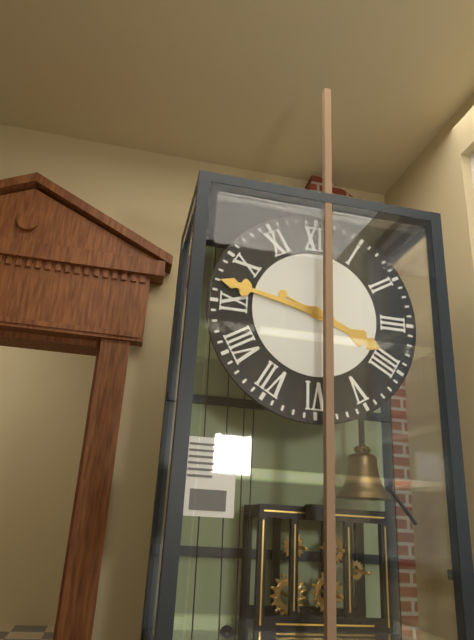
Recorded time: 3.47
